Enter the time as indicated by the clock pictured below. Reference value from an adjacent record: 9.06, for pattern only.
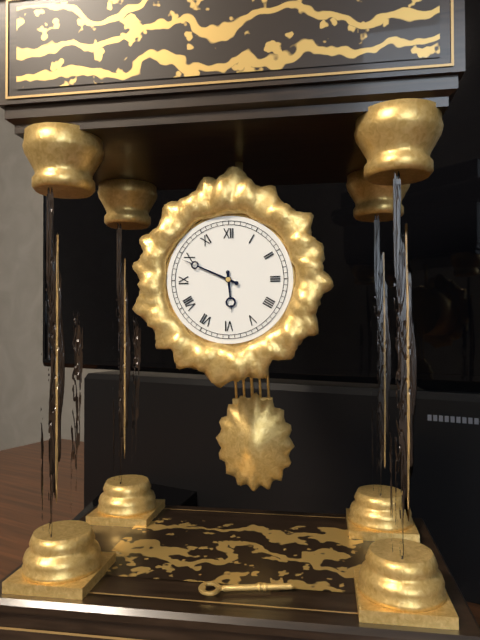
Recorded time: 5.49
